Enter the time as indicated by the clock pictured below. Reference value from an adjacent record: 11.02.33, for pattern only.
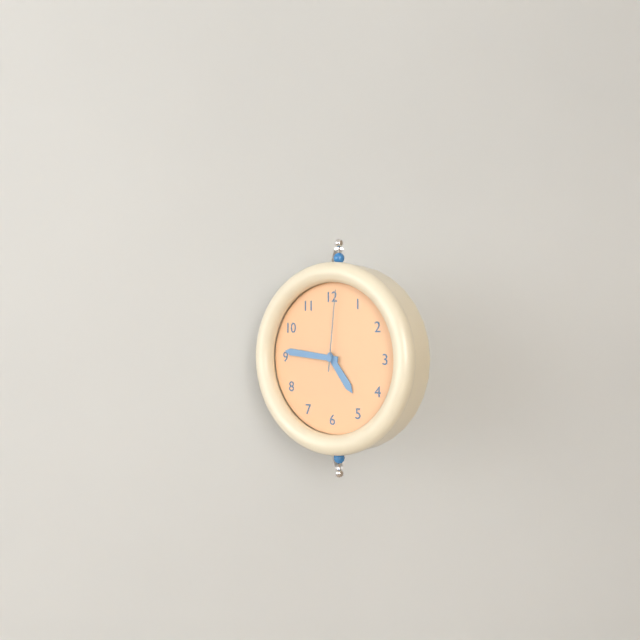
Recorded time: 4.46.01
